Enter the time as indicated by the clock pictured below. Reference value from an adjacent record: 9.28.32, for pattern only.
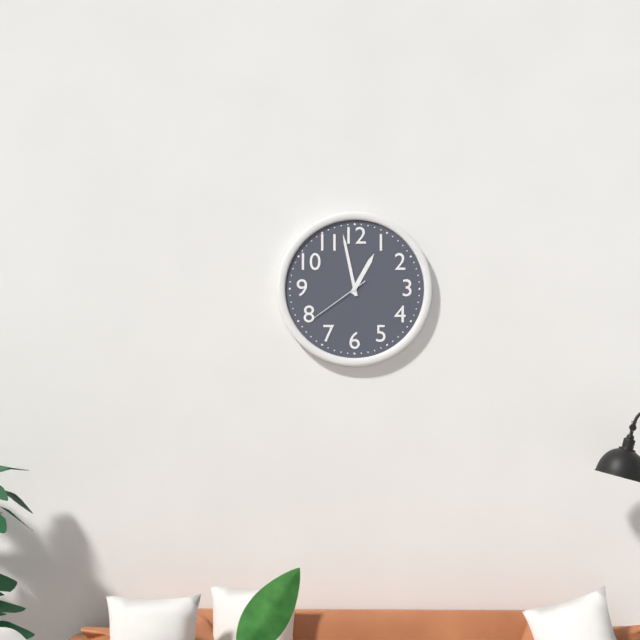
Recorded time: 12.58.39
